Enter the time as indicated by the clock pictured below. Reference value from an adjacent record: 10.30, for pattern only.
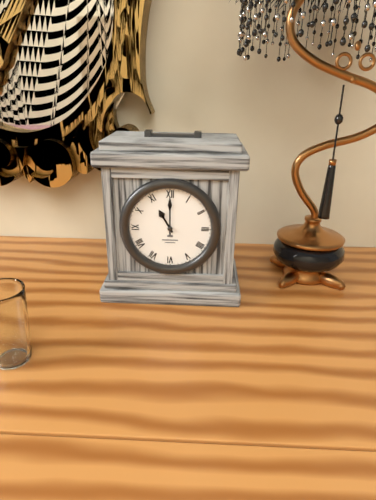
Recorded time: 11.00
